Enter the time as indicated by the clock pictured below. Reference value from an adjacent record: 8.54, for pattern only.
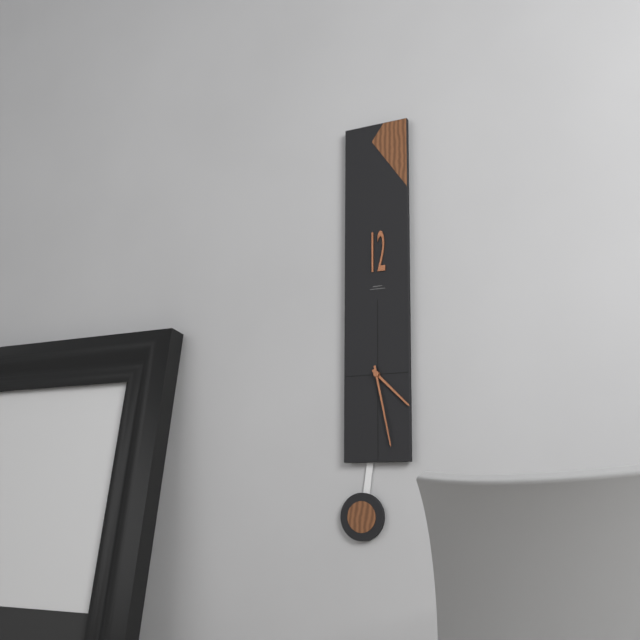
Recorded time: 4.28
